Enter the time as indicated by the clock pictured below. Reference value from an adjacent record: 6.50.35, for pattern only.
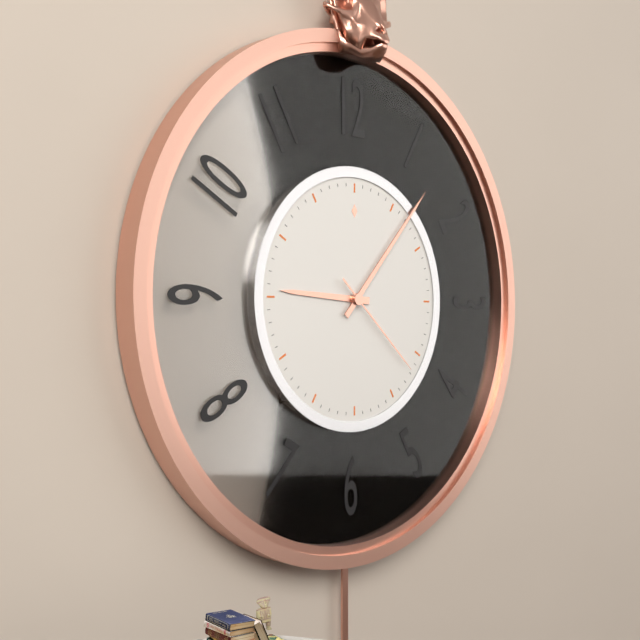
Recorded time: 9.07.22
